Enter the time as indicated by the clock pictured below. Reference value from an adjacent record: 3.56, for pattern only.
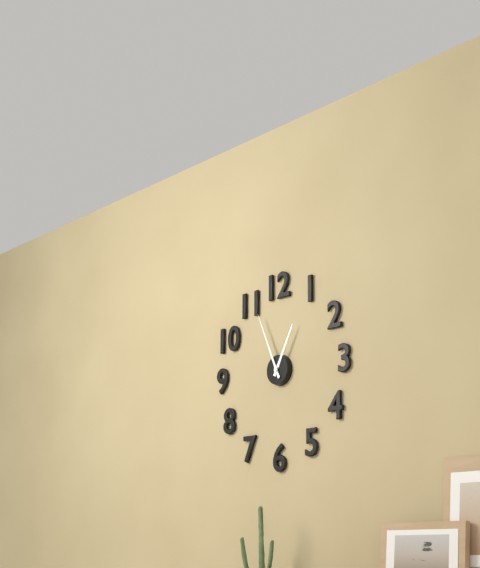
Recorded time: 12.56
